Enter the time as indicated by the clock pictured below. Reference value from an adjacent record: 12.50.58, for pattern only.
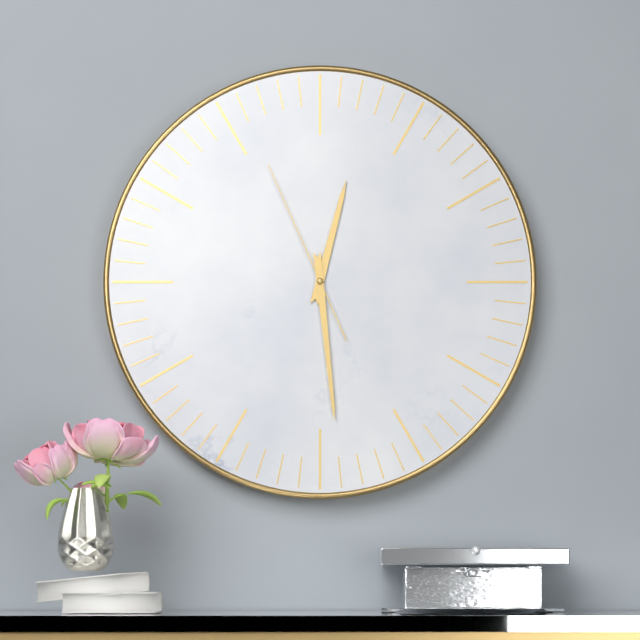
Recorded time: 12.29.56
